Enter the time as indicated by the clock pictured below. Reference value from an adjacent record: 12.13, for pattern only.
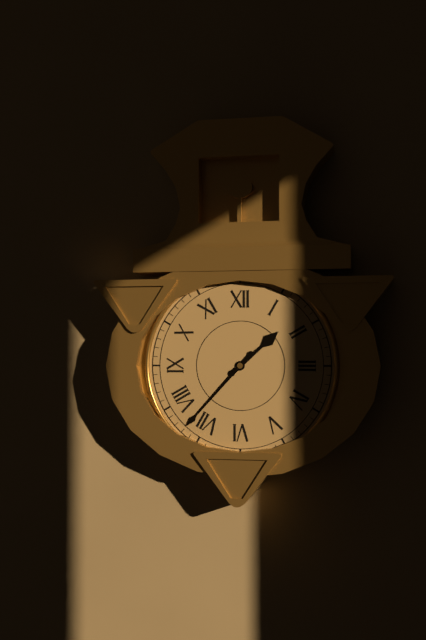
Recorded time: 1.37
